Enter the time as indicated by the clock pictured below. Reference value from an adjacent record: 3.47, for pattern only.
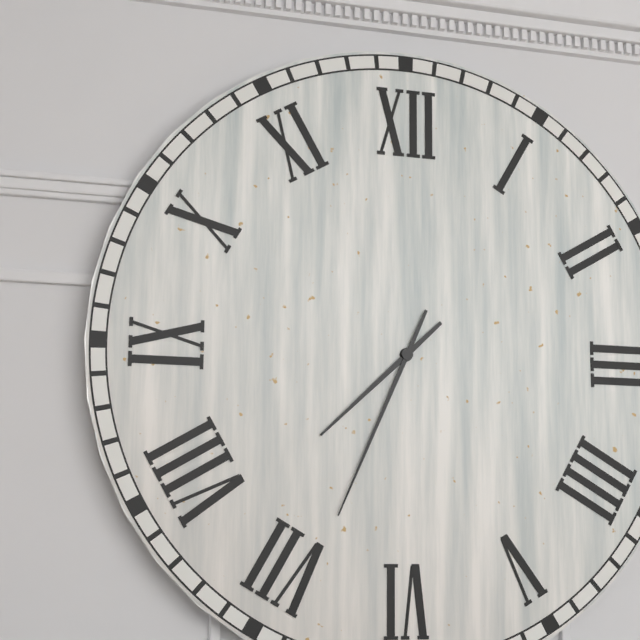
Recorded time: 7.34
